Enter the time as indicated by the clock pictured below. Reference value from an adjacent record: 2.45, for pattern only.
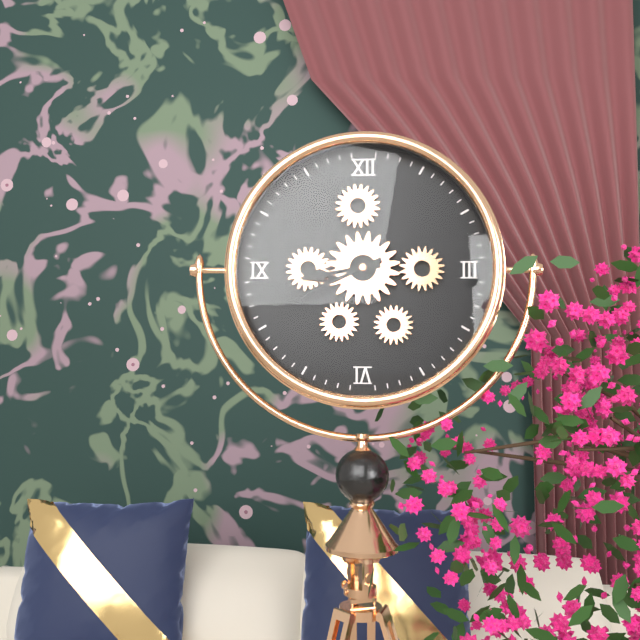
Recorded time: 8.41
